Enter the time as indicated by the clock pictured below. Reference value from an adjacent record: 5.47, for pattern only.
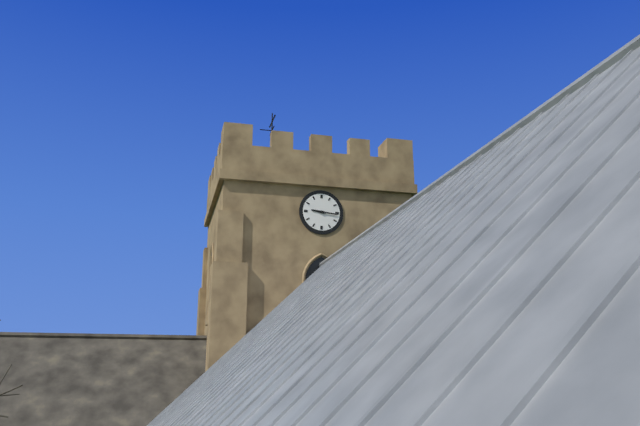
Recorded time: 9.16
